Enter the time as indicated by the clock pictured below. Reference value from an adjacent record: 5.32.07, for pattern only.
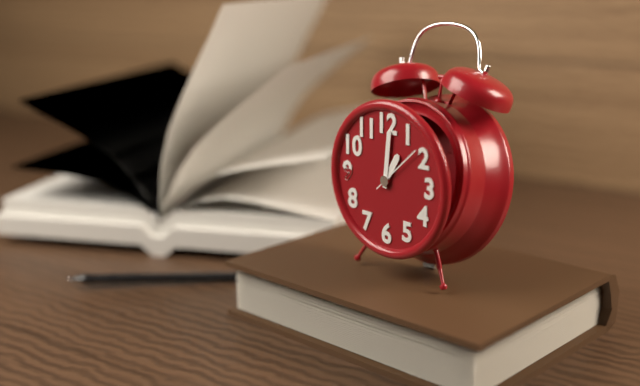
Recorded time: 1.01.08
